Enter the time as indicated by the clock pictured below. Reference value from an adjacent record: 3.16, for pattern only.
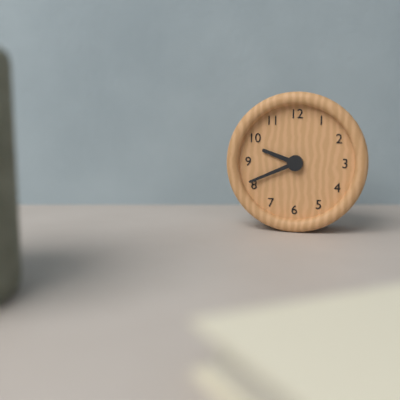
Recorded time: 9.41
